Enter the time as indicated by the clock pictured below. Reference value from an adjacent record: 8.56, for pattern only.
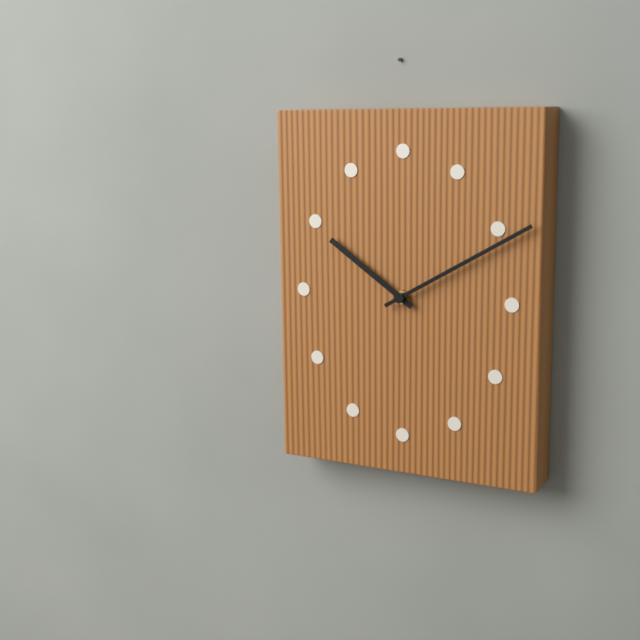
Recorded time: 10.10
